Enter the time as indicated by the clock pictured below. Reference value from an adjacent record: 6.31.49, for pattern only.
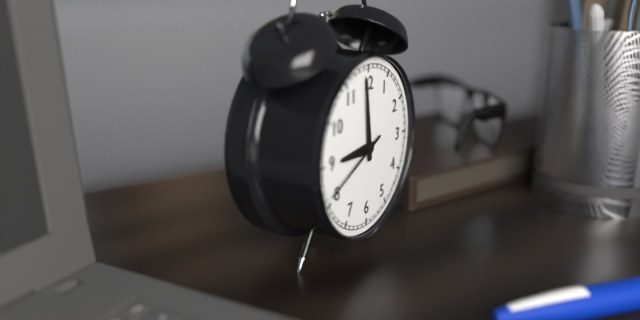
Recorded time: 8.59.41
